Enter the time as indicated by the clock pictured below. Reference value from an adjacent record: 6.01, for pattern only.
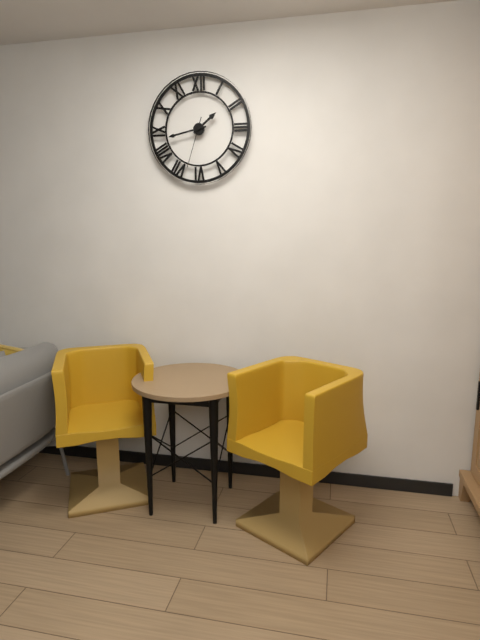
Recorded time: 1.43
